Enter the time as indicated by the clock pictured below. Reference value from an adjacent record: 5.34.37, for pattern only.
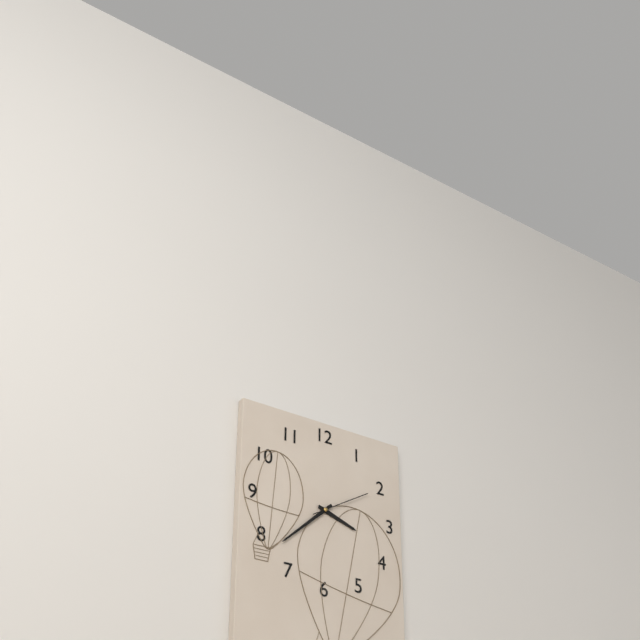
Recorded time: 3.38.10
